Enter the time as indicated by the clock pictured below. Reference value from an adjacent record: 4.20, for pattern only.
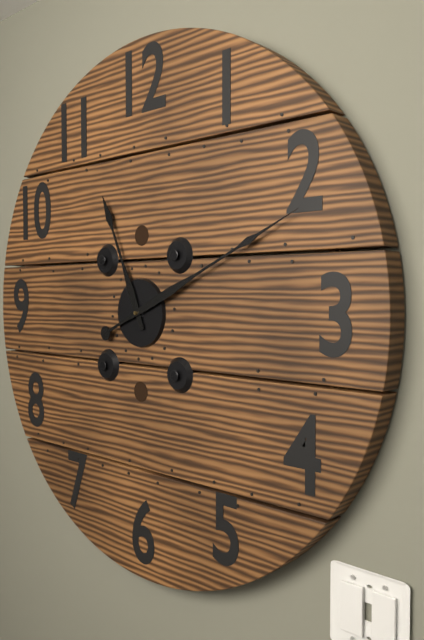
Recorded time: 11.11
